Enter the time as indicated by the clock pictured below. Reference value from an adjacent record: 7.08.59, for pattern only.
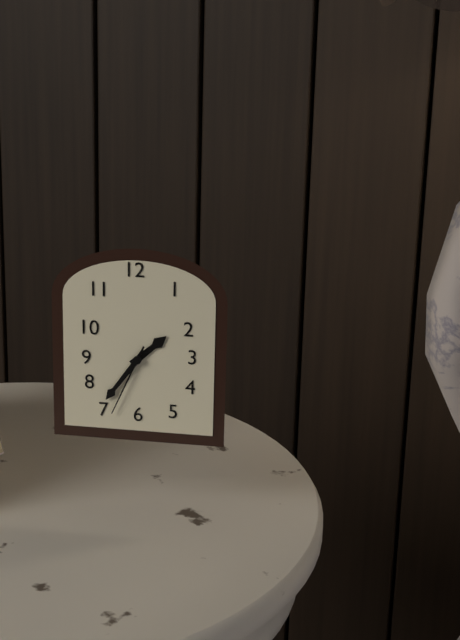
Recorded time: 1.36.34
